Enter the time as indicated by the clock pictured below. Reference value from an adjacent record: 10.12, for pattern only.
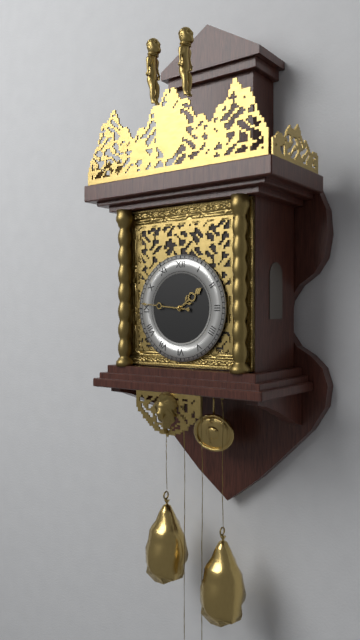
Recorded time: 1.46
